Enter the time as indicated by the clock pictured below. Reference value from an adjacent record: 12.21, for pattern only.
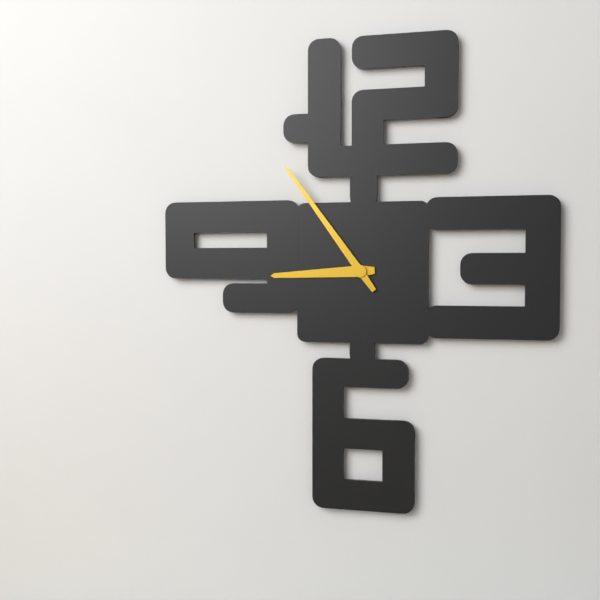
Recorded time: 8.54
